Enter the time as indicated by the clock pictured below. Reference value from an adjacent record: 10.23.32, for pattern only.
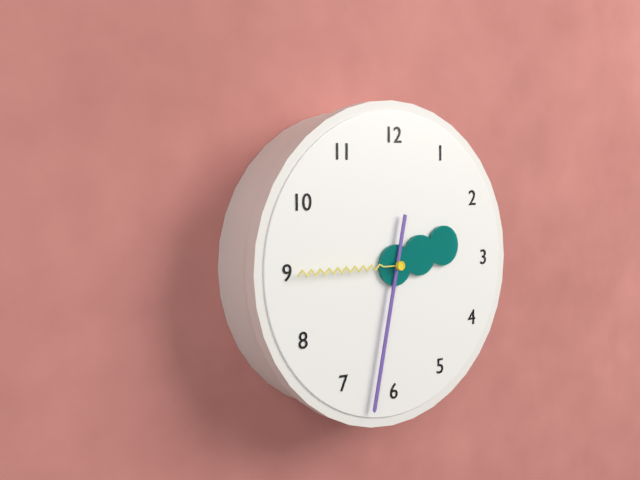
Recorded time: 2.32.45
